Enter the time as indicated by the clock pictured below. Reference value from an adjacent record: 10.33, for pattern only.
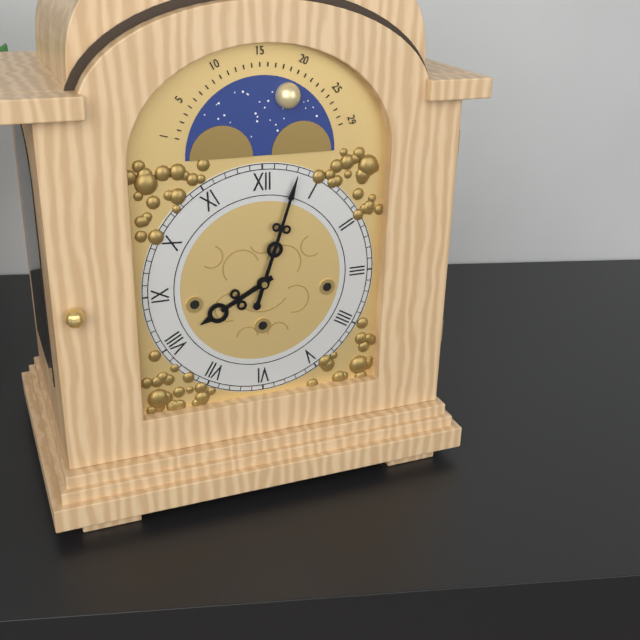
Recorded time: 8.03
